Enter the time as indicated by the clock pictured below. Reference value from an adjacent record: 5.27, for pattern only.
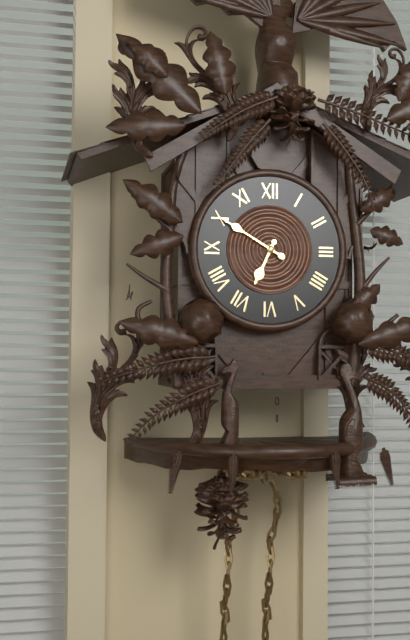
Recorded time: 6.50
